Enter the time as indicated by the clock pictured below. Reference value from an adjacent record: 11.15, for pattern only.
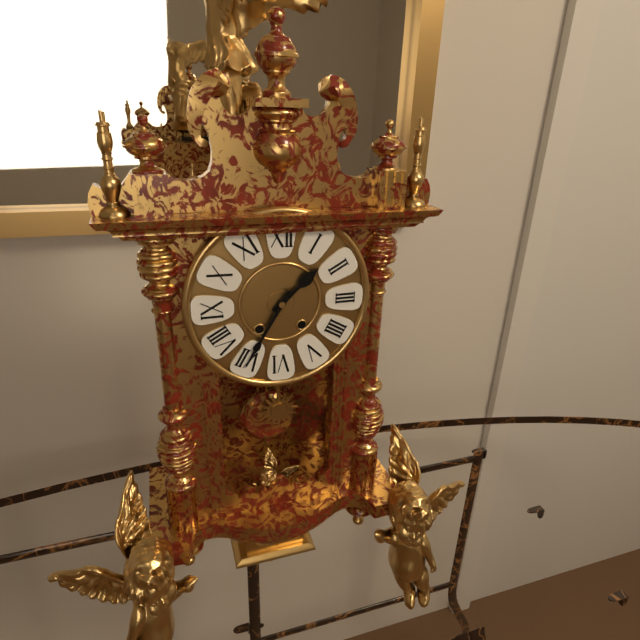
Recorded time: 1.35
